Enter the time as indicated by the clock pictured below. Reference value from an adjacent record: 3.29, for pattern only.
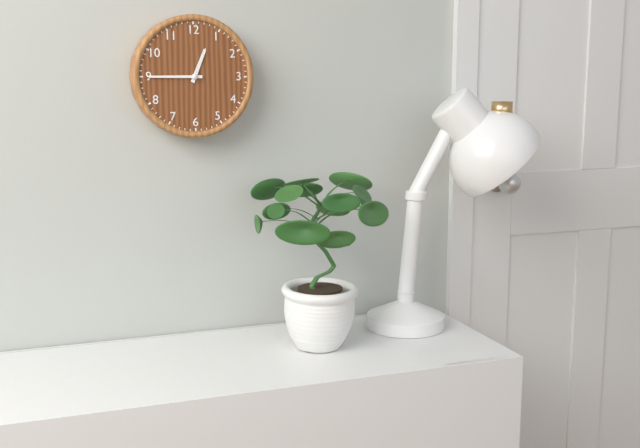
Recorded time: 12.45
